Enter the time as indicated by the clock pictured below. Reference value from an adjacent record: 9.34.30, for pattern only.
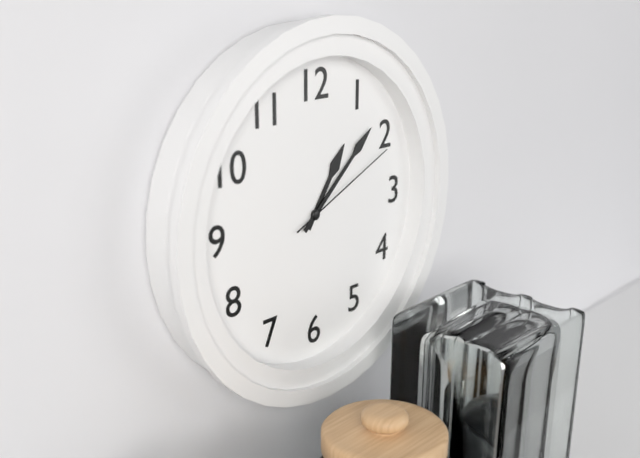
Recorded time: 1.08.11
